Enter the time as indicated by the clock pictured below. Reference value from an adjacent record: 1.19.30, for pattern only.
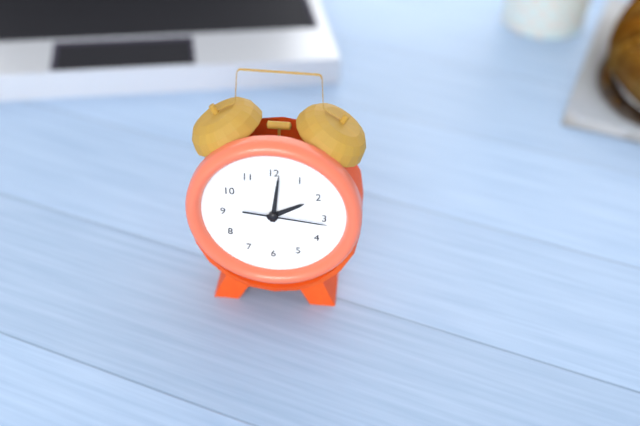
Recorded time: 2.01.16
